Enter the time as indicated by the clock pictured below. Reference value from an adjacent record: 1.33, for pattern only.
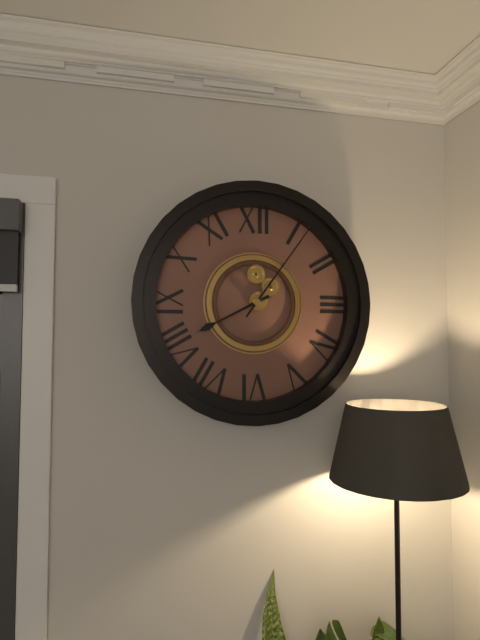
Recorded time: 8.06
